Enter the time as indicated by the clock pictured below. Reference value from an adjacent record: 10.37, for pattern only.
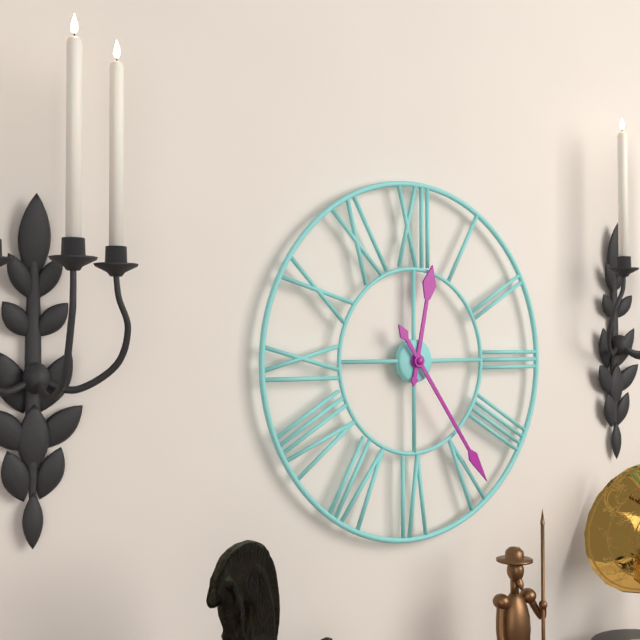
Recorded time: 12.24
